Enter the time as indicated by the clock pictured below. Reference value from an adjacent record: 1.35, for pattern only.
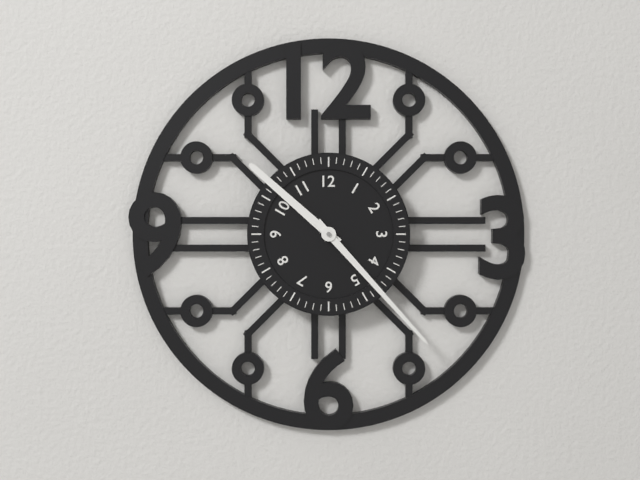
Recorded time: 10.23
